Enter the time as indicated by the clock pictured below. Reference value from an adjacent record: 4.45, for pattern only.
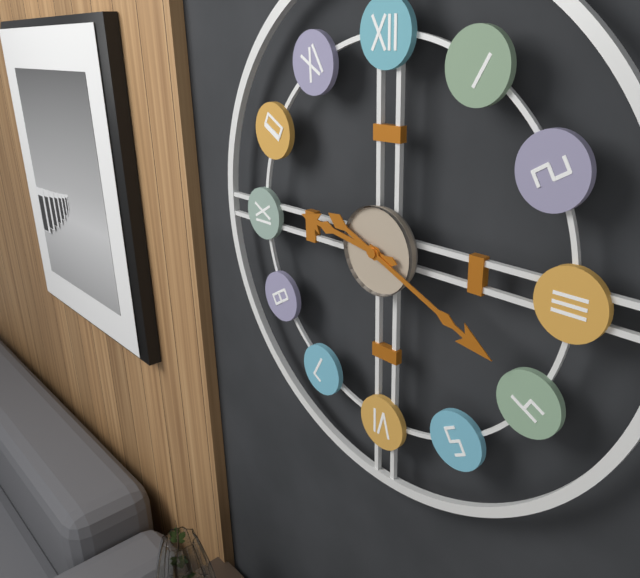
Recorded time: 9.19
